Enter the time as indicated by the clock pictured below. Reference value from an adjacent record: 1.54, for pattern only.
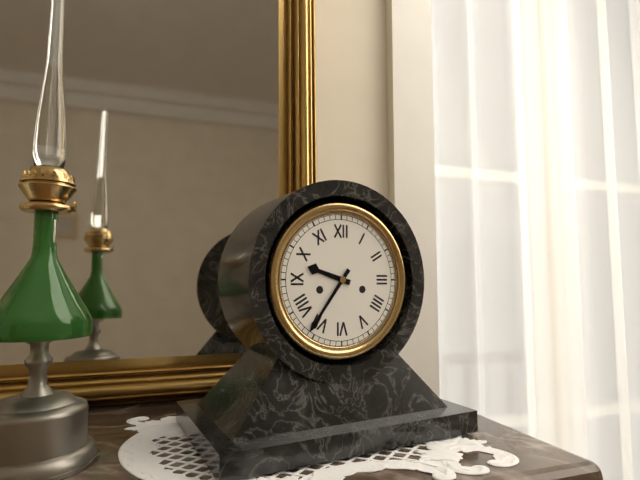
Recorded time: 9.36
